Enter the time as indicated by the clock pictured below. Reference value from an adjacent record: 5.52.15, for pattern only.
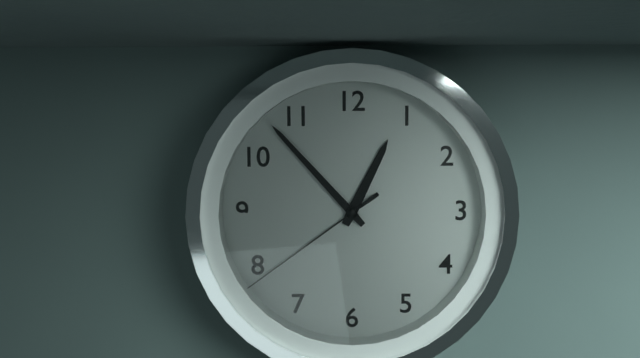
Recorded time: 12.53.39
